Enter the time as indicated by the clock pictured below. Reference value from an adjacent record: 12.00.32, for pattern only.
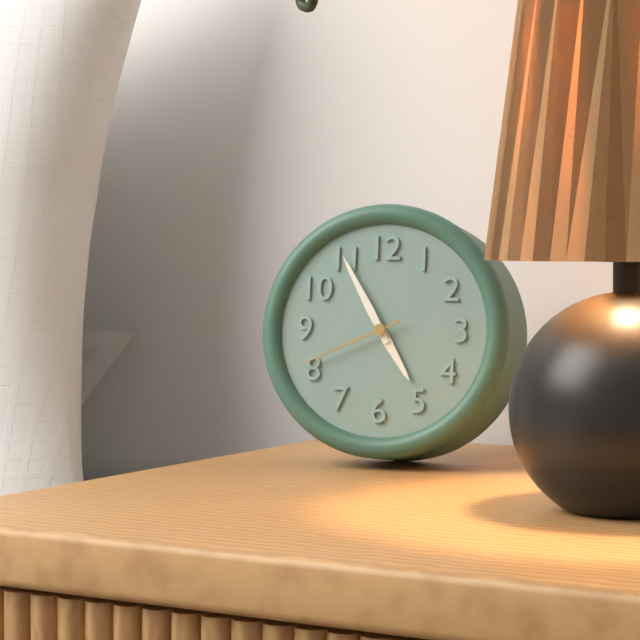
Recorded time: 4.55.41
